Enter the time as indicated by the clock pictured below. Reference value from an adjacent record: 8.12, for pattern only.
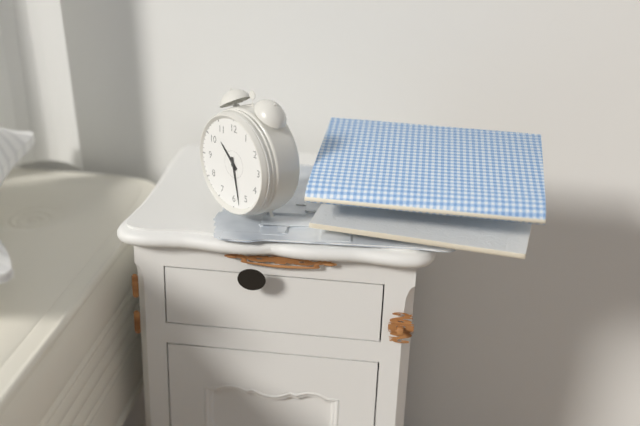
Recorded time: 10.28
